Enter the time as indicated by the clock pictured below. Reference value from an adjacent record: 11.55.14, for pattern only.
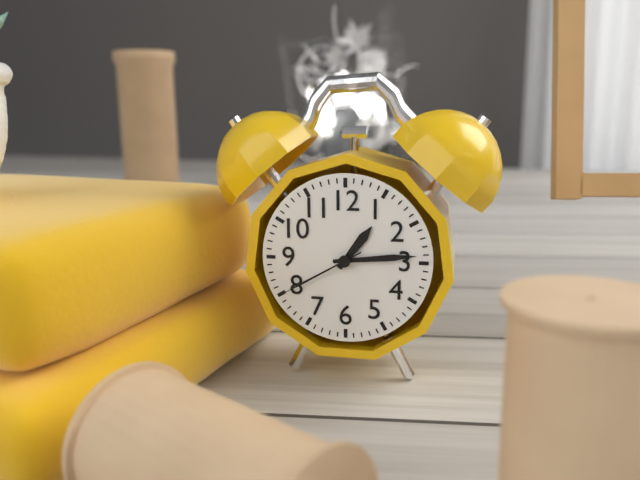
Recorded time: 1.14.40
